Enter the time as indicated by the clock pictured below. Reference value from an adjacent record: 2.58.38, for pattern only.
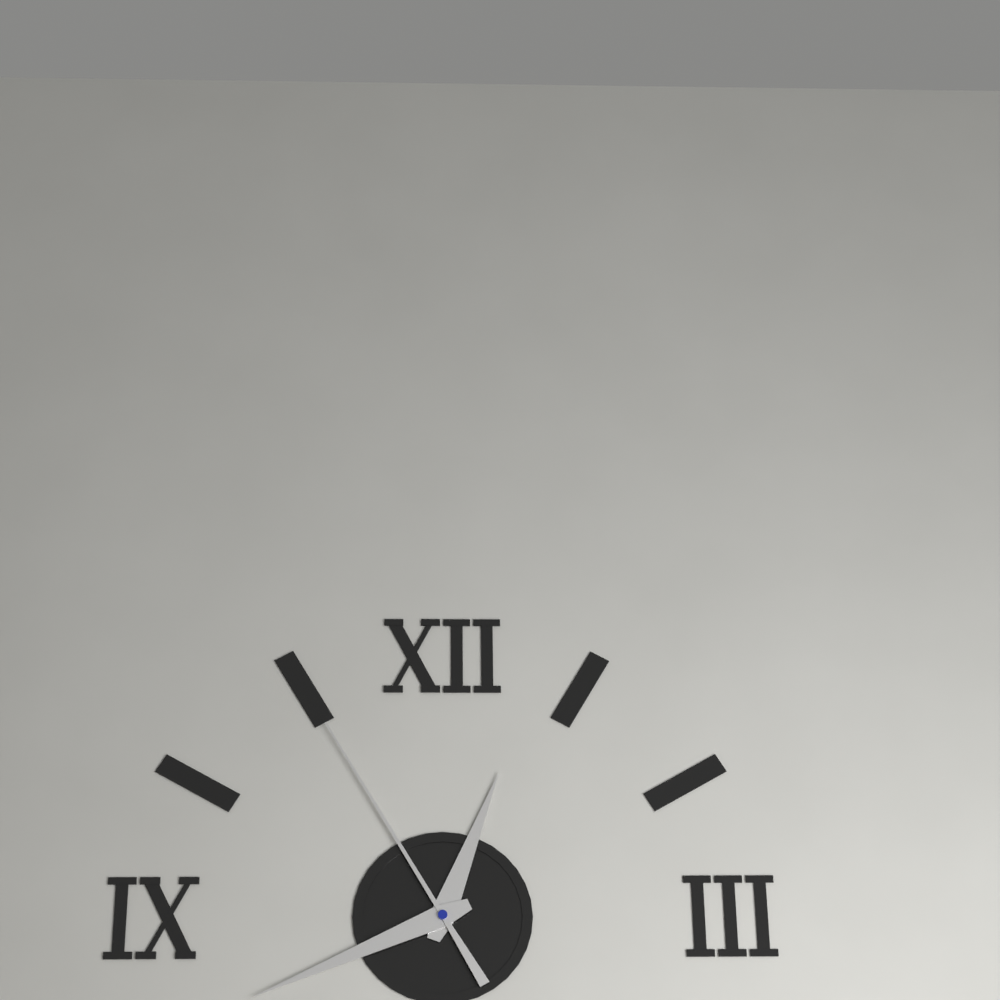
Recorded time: 12.41.55
